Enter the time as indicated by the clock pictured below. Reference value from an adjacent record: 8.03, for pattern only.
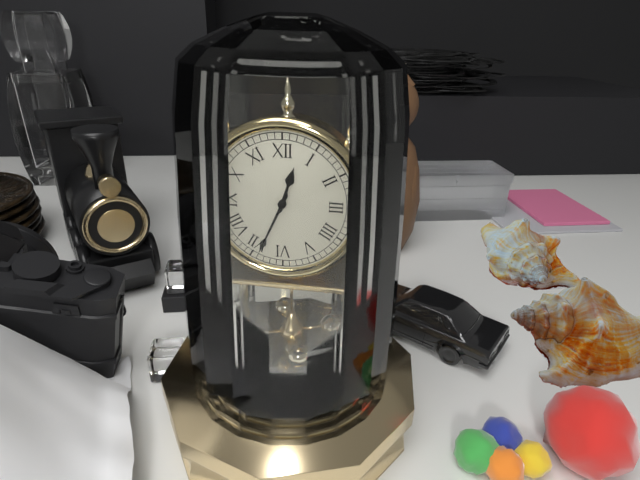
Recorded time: 12.34
